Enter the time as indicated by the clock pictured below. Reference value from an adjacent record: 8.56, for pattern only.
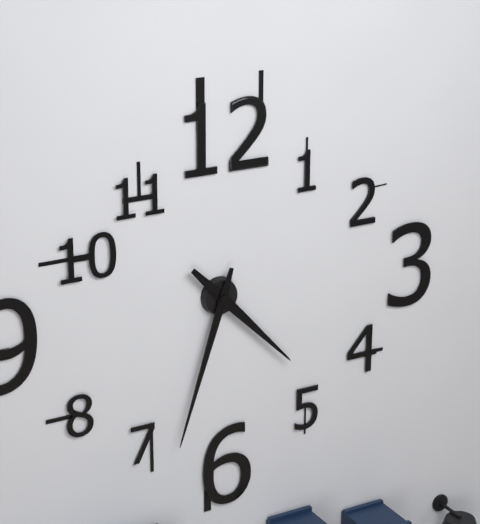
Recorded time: 4.33
